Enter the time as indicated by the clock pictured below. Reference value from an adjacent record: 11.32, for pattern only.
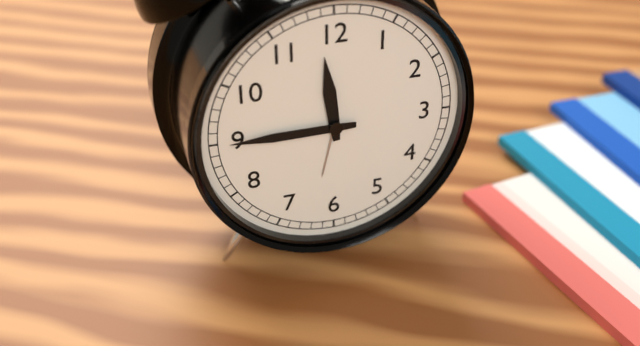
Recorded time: 11.45
